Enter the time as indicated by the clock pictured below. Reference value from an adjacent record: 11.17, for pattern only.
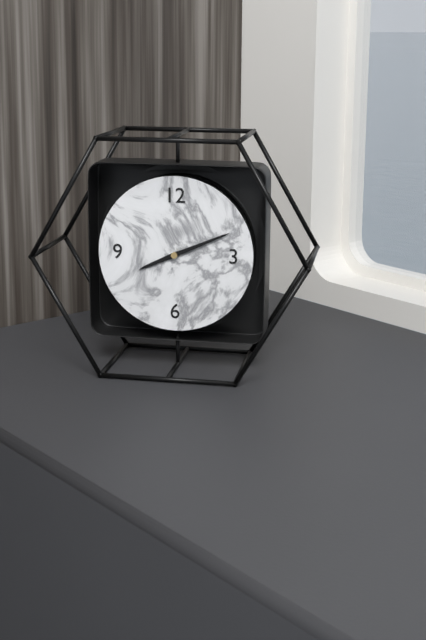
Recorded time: 8.11
